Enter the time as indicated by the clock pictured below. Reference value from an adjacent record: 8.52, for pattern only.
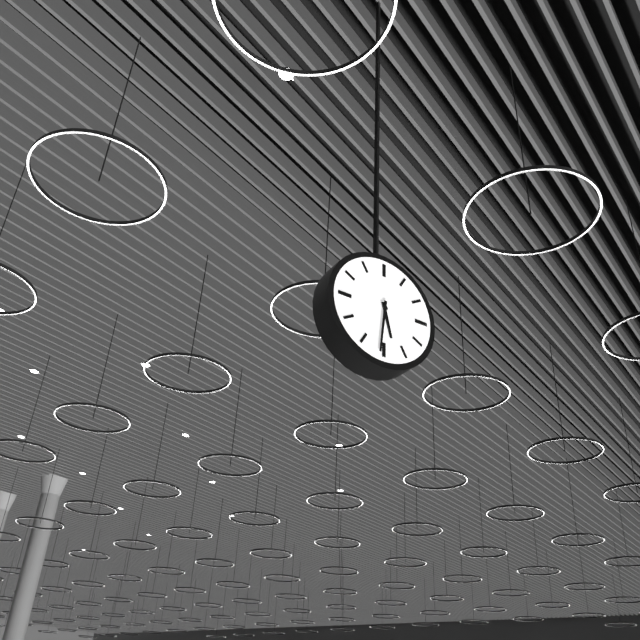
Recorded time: 5.31
